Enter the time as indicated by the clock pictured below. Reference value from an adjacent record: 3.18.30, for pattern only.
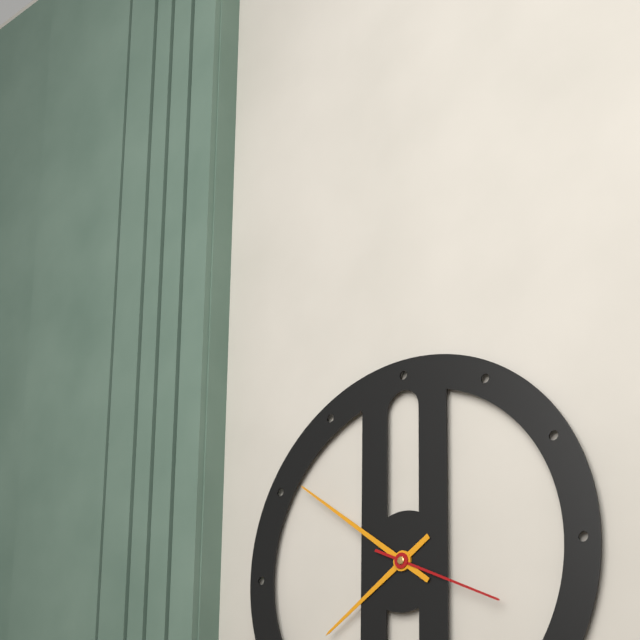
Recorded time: 7.51.19
